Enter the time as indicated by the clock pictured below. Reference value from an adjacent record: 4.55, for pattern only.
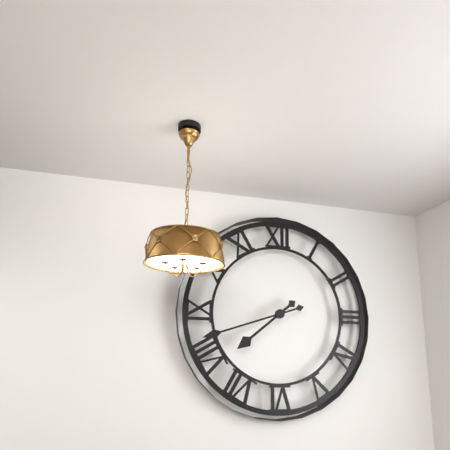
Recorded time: 7.42
